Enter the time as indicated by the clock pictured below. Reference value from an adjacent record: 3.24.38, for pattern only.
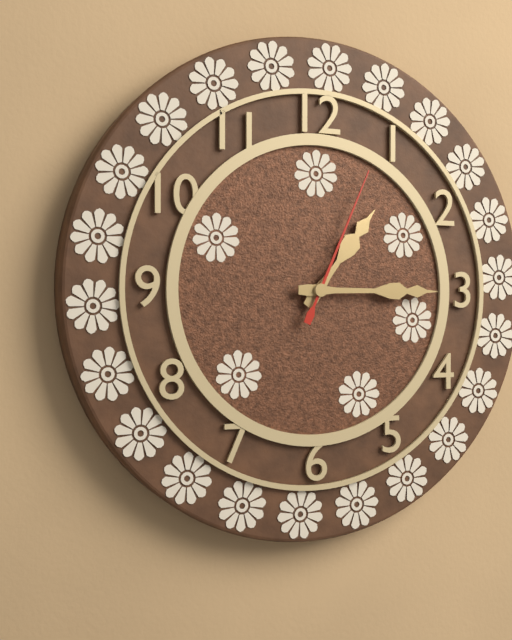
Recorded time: 1.15.04
